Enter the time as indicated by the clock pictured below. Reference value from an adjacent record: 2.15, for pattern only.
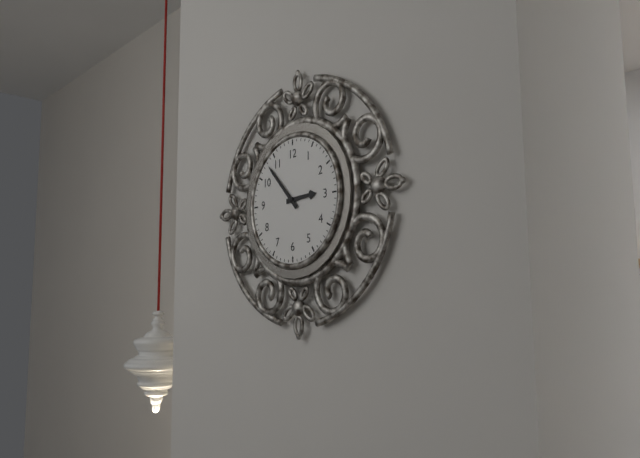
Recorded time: 2.53
